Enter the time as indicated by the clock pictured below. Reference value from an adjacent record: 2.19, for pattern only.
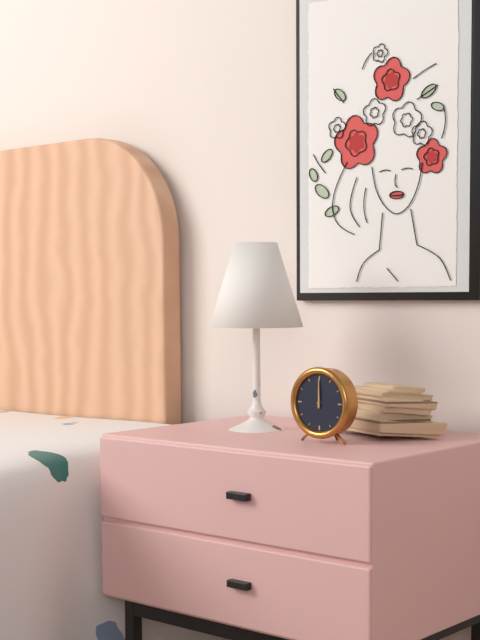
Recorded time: 12.00
